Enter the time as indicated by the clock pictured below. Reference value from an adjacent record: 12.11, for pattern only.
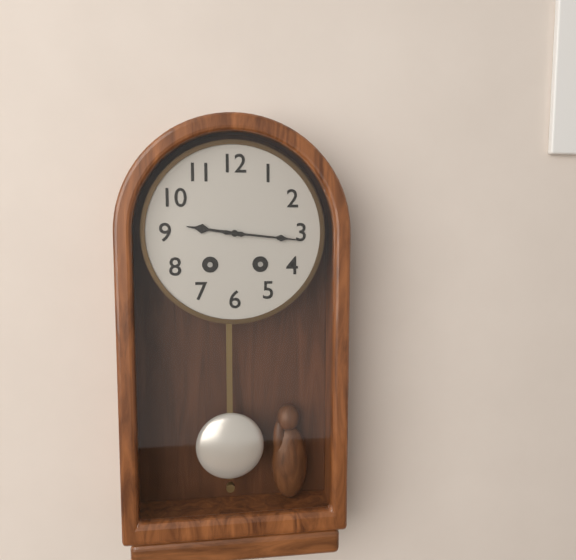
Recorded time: 9.16
